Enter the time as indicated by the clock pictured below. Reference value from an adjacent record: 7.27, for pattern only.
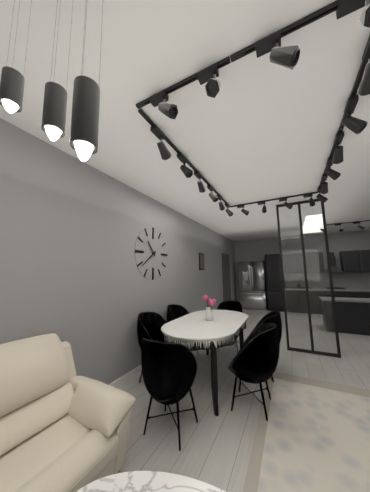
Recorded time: 10.39
